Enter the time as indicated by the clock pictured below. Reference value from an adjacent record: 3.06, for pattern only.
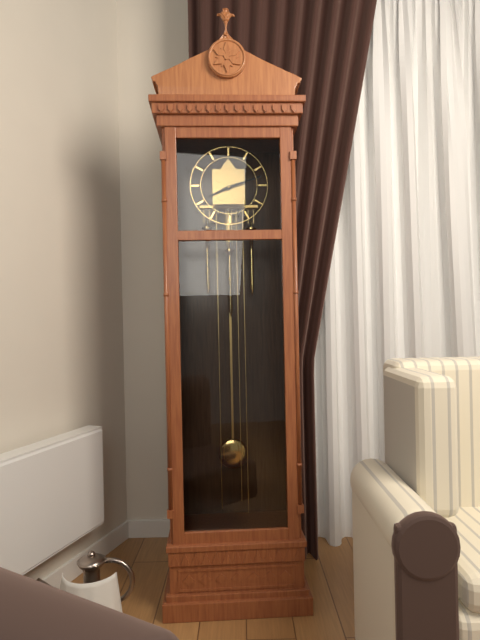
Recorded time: 8.12
